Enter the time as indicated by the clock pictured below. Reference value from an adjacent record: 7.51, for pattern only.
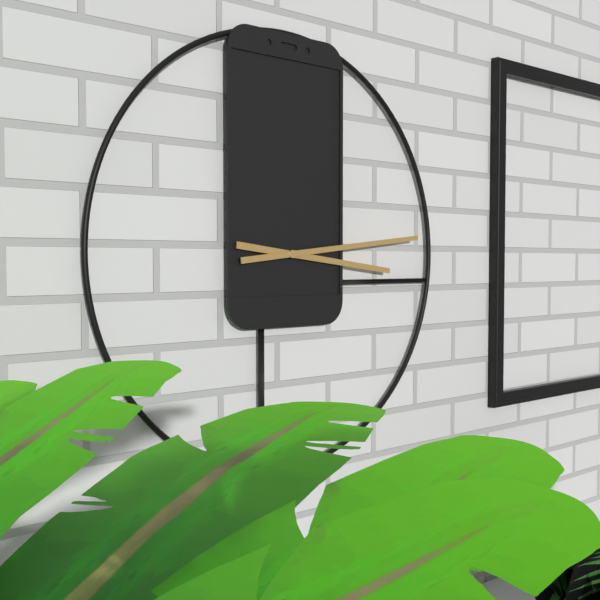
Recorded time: 3.14
